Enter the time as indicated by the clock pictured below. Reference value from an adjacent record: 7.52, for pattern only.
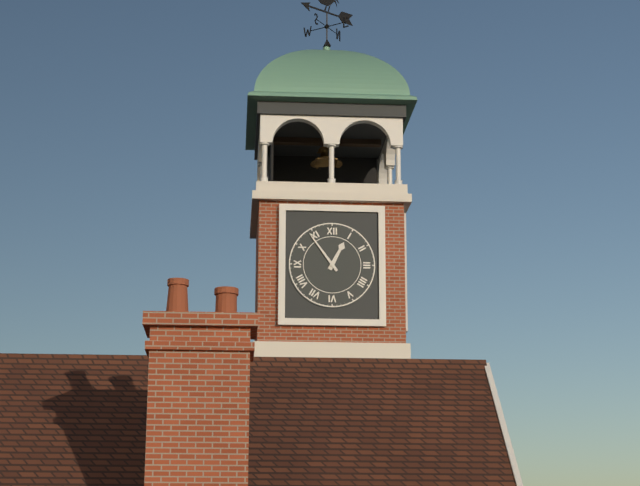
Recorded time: 12.54
